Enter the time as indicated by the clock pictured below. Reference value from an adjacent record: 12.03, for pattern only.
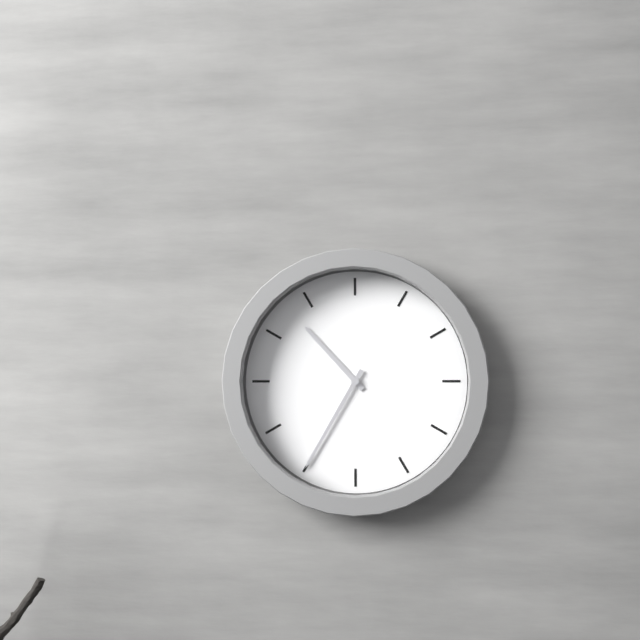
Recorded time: 10.35
